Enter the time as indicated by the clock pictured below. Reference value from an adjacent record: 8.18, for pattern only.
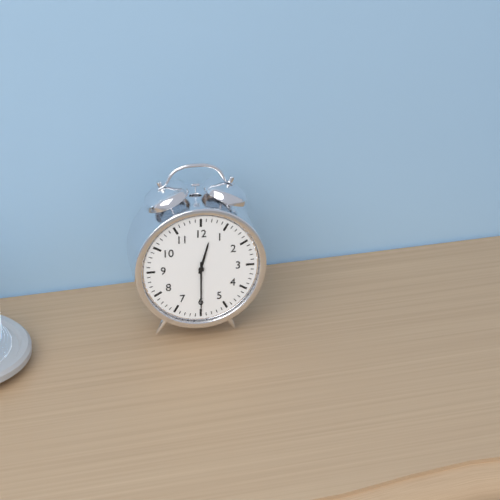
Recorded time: 12.30
